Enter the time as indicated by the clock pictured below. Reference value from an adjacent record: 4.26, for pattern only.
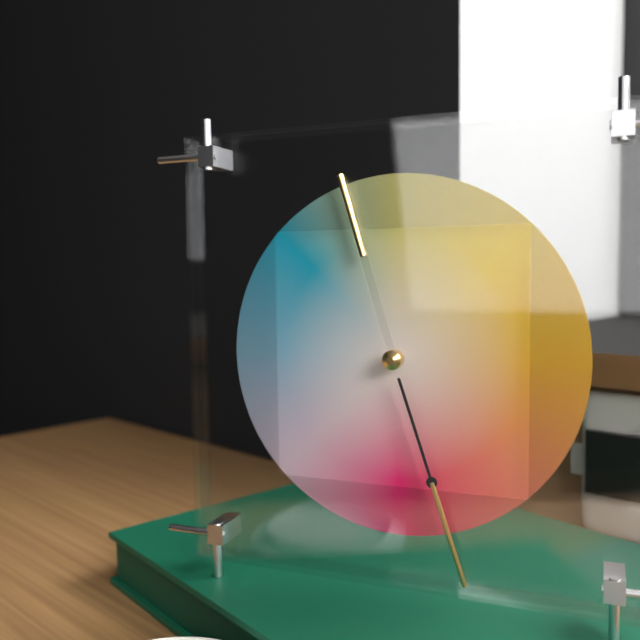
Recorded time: 11.27
